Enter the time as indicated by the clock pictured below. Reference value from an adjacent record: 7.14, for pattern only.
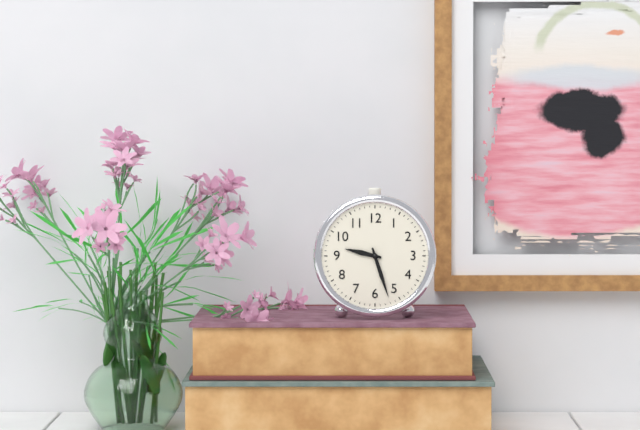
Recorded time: 9.27
